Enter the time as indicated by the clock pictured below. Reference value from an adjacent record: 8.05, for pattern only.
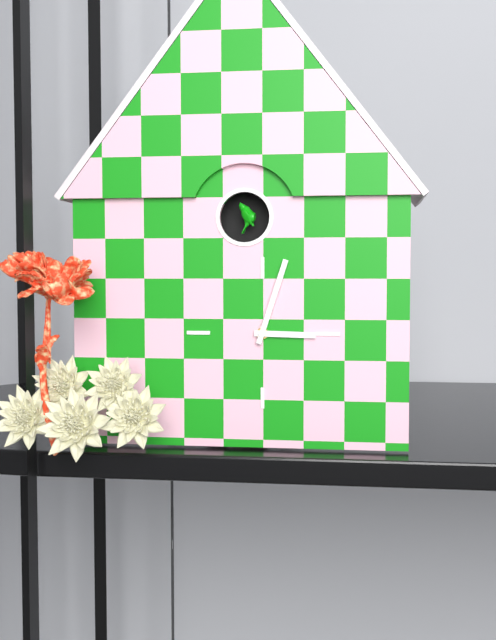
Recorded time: 3.03
